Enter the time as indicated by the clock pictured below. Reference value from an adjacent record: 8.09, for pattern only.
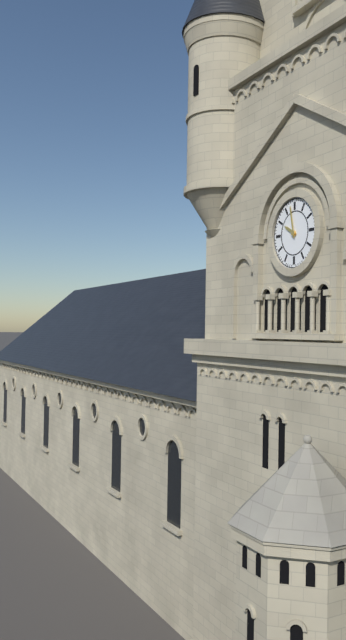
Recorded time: 9.58
